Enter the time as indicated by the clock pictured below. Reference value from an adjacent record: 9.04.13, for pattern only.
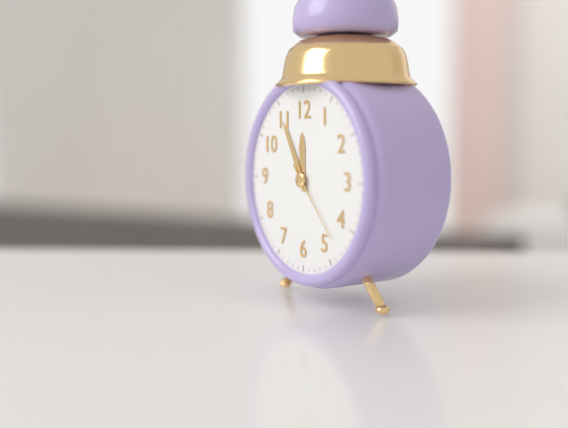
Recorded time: 11.55.23
